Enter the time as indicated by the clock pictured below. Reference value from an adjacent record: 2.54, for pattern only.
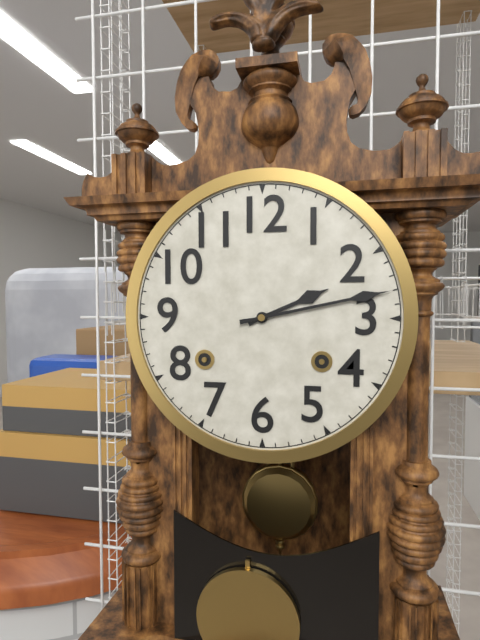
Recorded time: 2.13
